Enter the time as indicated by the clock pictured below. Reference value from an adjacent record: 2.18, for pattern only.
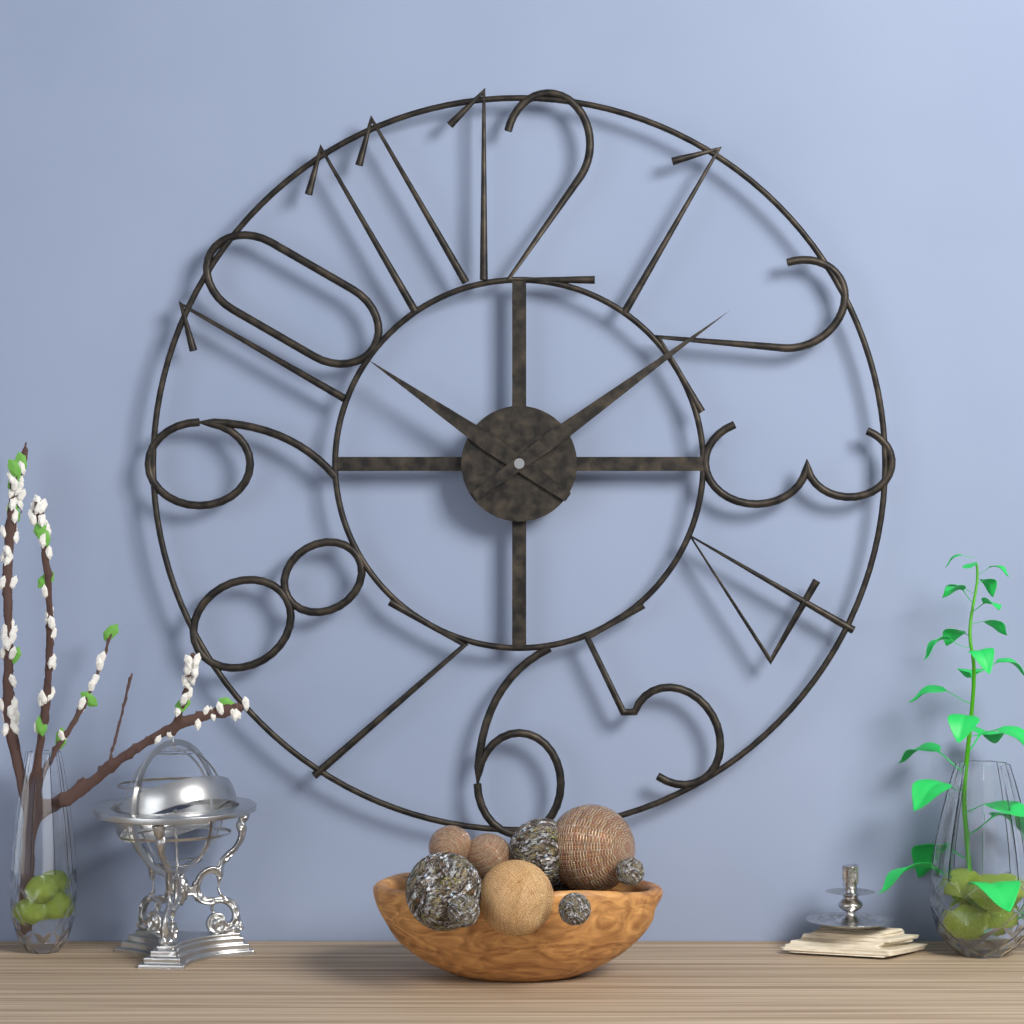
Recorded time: 10.09
